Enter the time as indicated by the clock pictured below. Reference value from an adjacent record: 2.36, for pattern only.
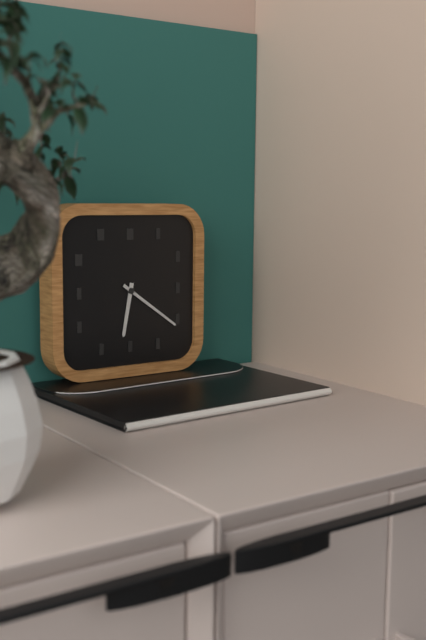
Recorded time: 6.21
